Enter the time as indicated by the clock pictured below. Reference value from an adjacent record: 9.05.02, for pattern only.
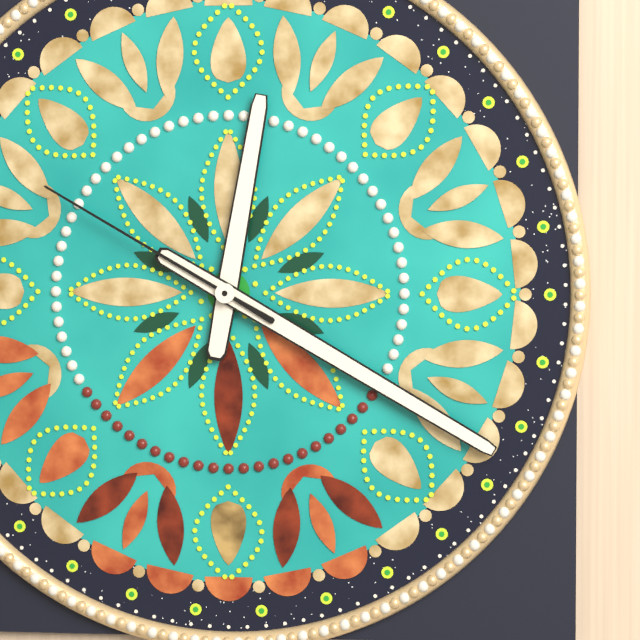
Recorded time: 12.20.50
